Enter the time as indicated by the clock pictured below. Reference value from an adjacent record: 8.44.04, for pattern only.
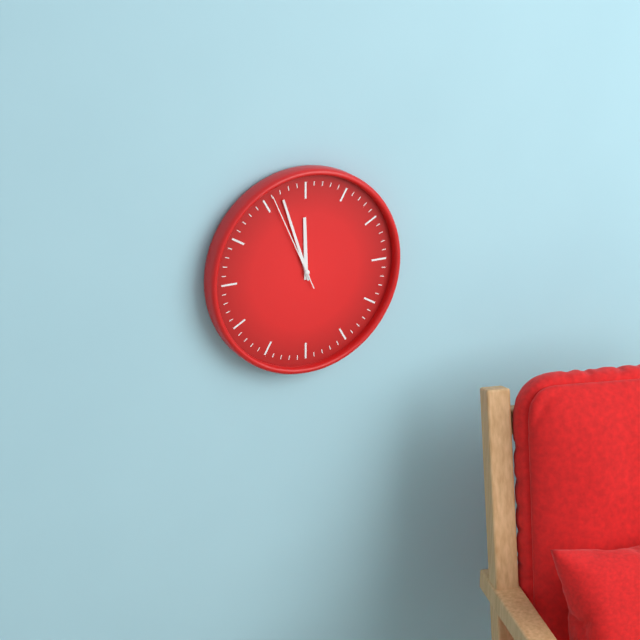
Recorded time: 11.57.56
